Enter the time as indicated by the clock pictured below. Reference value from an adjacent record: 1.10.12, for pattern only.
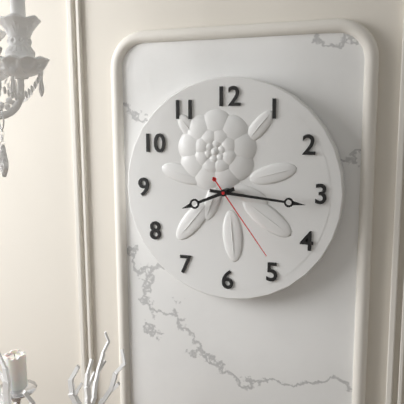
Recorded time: 8.16.24
